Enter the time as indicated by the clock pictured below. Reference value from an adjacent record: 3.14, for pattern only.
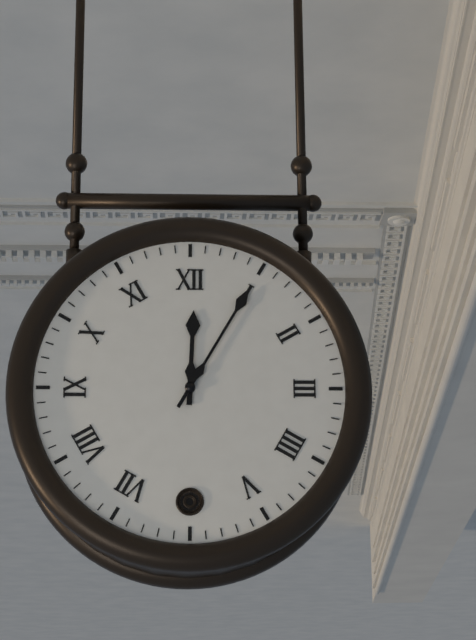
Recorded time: 12.05
